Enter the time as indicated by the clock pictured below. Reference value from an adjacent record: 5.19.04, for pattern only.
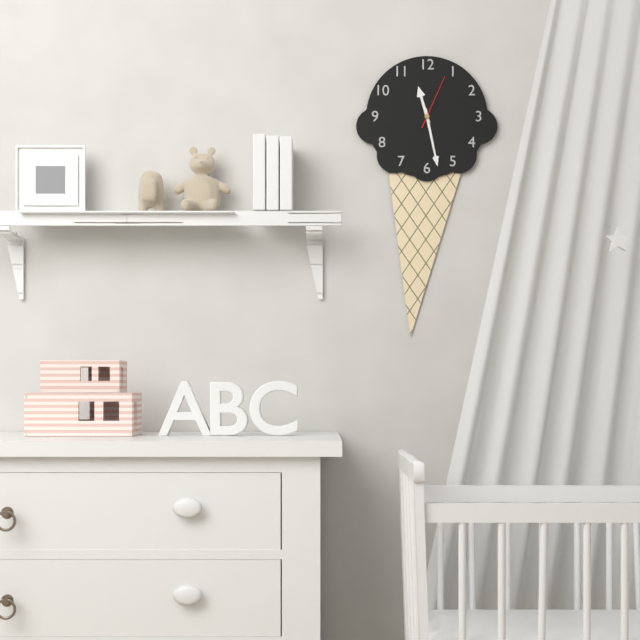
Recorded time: 11.28.04
